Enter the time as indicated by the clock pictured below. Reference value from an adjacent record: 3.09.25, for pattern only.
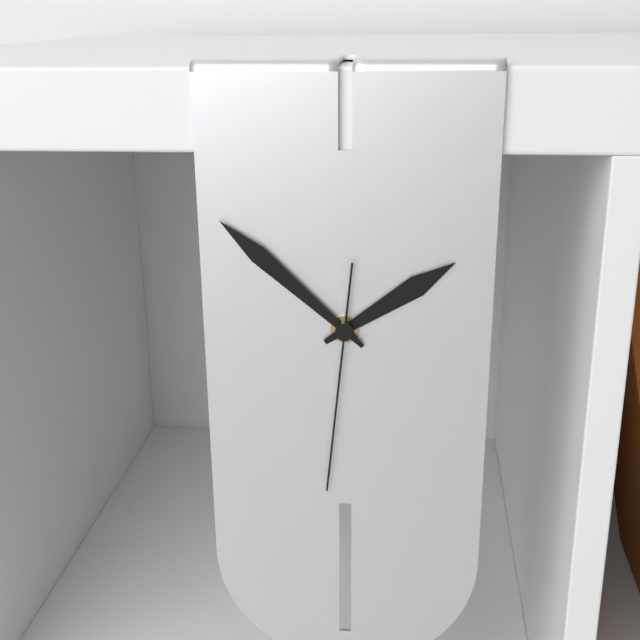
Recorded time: 1.52.31
